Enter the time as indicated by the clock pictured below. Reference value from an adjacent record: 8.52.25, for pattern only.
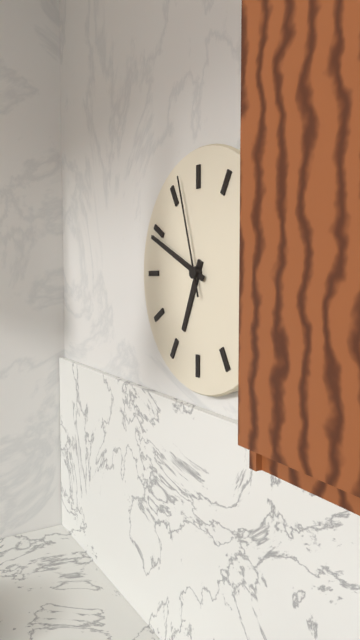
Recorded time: 6.49.57
